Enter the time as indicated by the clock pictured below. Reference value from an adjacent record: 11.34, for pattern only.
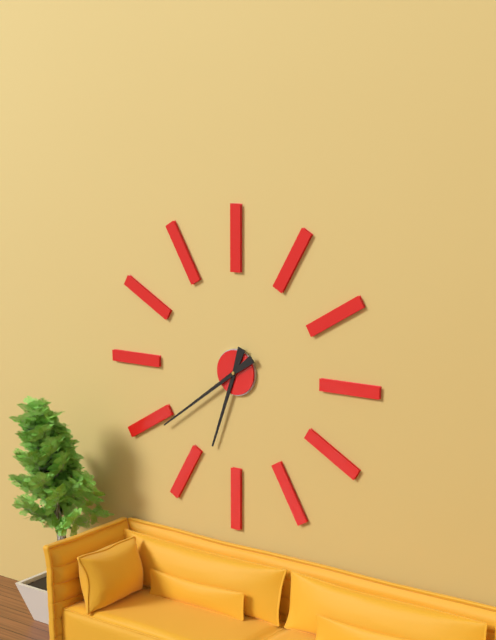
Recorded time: 6.39
